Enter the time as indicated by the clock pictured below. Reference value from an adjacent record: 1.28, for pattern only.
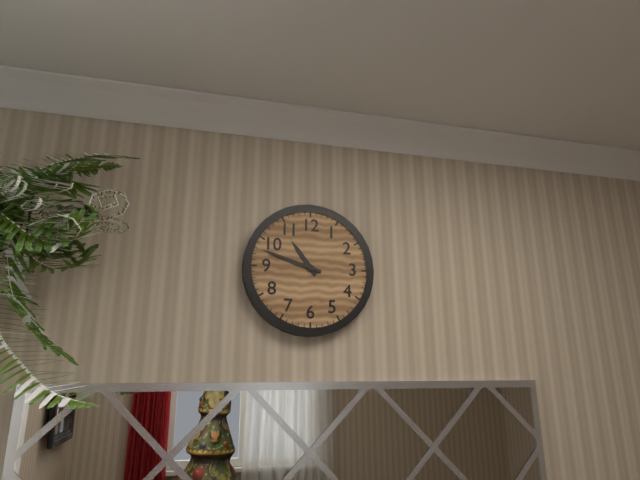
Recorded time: 10.48
